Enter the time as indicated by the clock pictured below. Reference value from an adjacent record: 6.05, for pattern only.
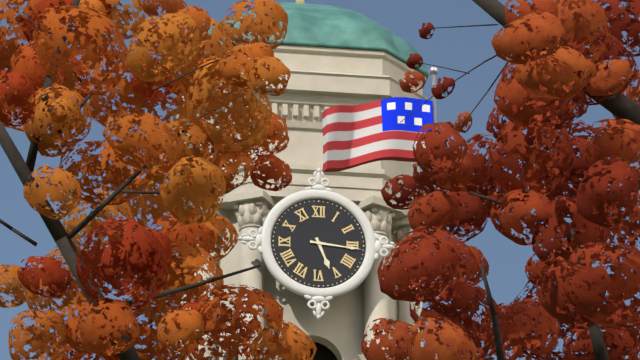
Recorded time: 5.16
